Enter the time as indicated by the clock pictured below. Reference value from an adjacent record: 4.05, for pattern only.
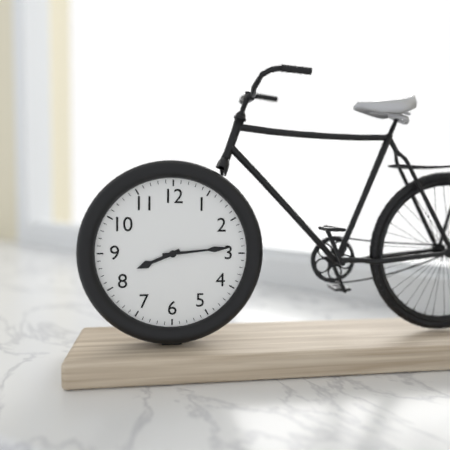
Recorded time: 8.14
